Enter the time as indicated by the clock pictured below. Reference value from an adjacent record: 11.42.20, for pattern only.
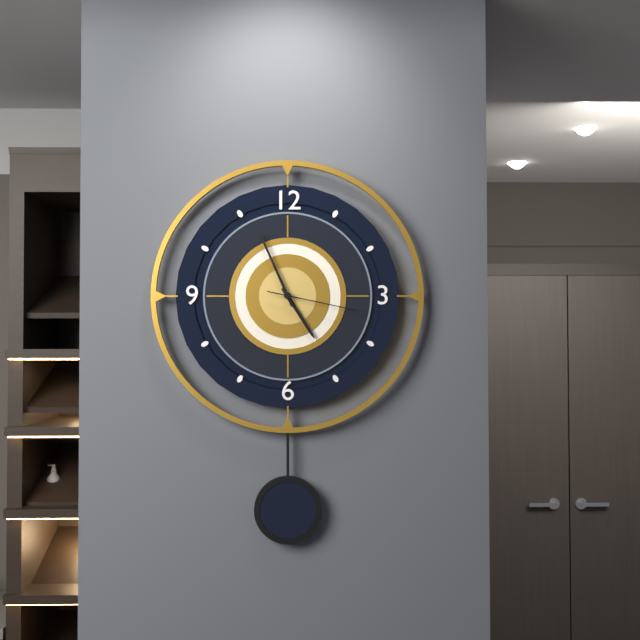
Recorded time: 4.56.17
